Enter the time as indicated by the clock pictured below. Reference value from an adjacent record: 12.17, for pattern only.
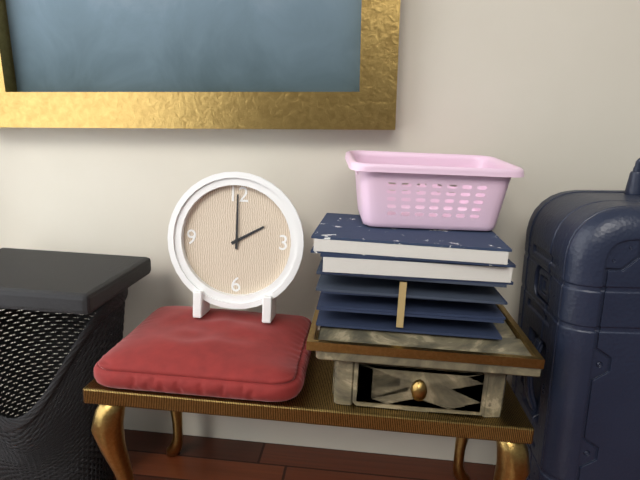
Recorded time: 2.00
